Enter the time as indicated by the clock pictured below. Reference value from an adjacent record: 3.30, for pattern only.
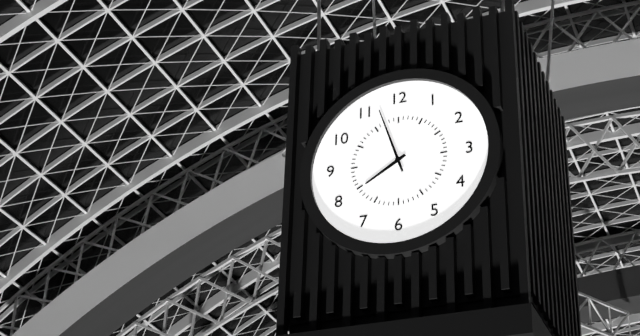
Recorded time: 7.57
